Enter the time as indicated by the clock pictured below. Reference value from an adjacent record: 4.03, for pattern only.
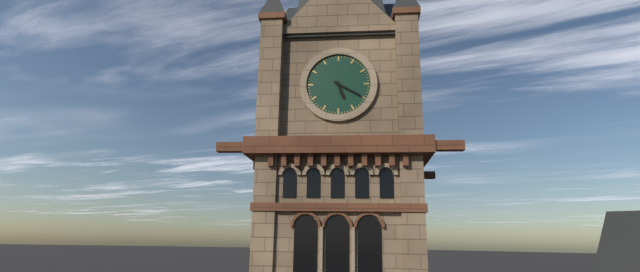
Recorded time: 5.20
